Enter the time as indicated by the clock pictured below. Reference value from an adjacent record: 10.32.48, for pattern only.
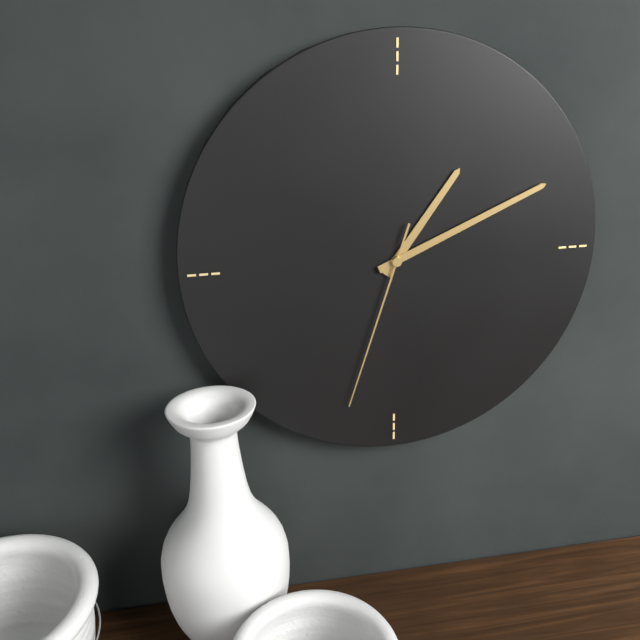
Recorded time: 1.11.33
